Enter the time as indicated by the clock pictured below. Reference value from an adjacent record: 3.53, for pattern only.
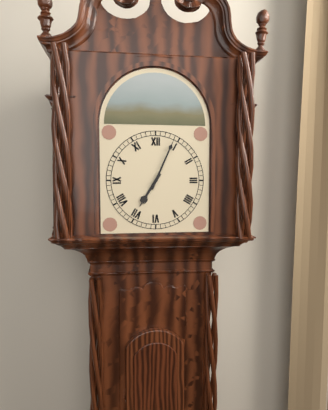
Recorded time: 7.04
